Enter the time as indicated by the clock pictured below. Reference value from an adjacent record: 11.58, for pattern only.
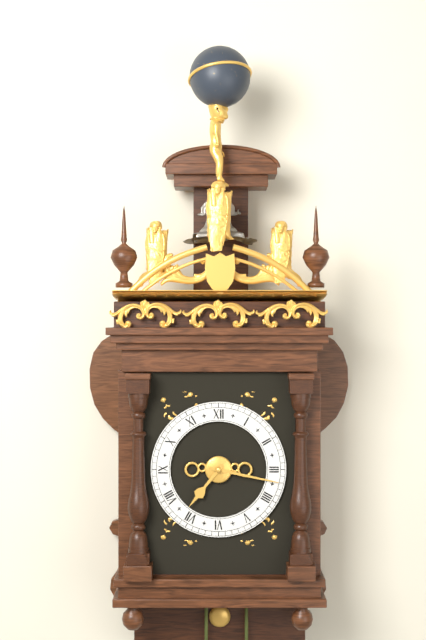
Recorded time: 7.17
